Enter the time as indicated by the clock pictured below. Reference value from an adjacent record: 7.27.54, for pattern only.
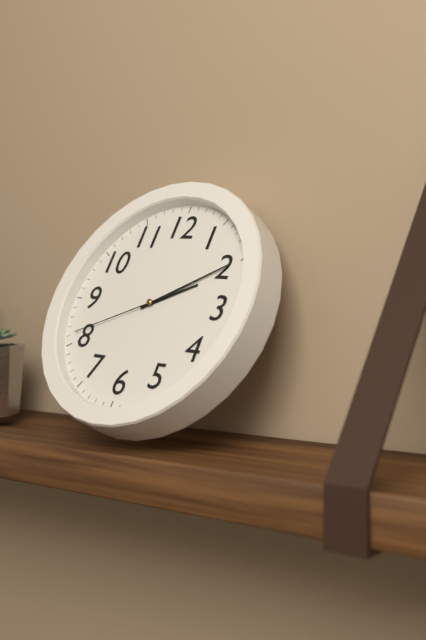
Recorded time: 2.10.41
